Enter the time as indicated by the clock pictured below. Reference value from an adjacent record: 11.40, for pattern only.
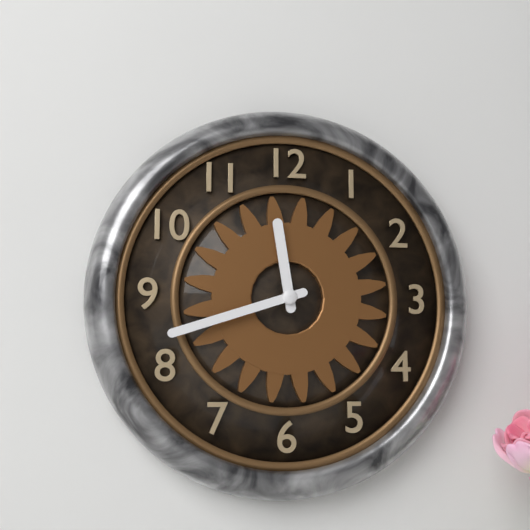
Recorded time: 11.42
